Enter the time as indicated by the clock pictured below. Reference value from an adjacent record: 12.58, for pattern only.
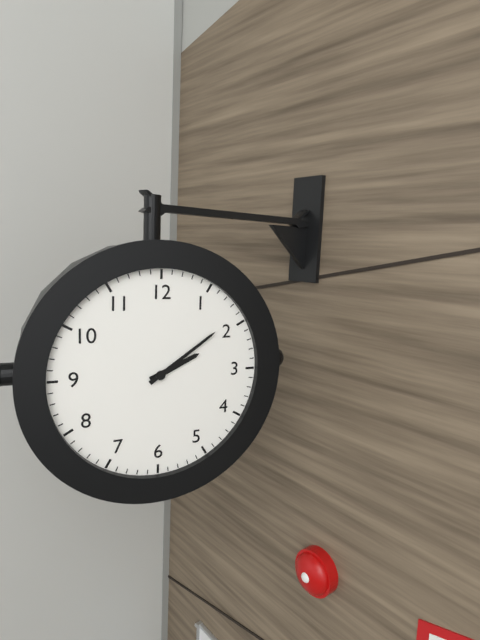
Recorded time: 2.09
